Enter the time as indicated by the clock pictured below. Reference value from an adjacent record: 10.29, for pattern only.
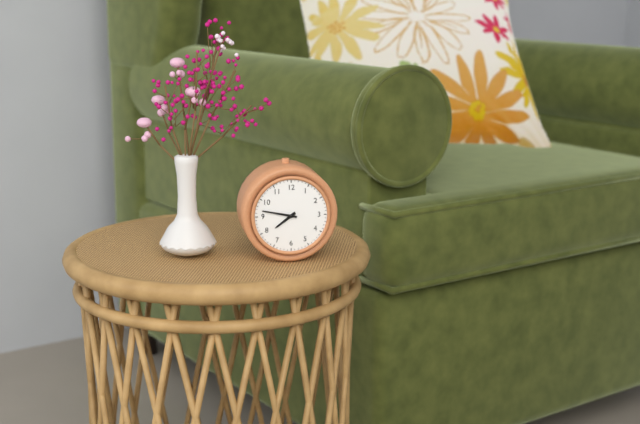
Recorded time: 7.47
